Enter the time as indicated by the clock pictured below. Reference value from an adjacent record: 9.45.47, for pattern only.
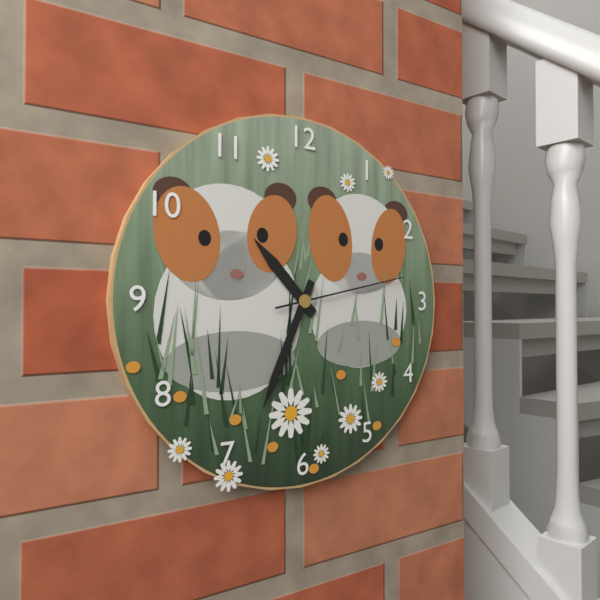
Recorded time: 10.34.13
